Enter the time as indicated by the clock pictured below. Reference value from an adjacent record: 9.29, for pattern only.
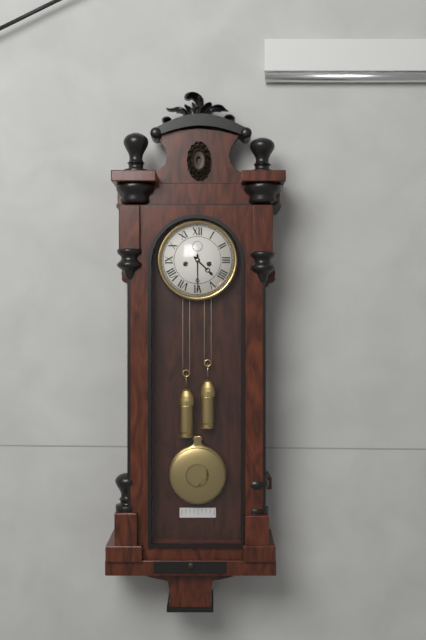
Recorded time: 4.30
